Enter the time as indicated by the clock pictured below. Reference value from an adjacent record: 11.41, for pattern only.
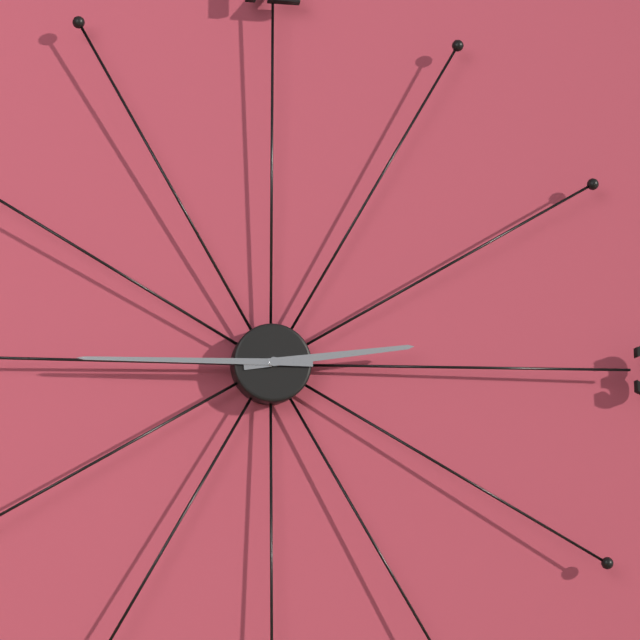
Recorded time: 2.45
